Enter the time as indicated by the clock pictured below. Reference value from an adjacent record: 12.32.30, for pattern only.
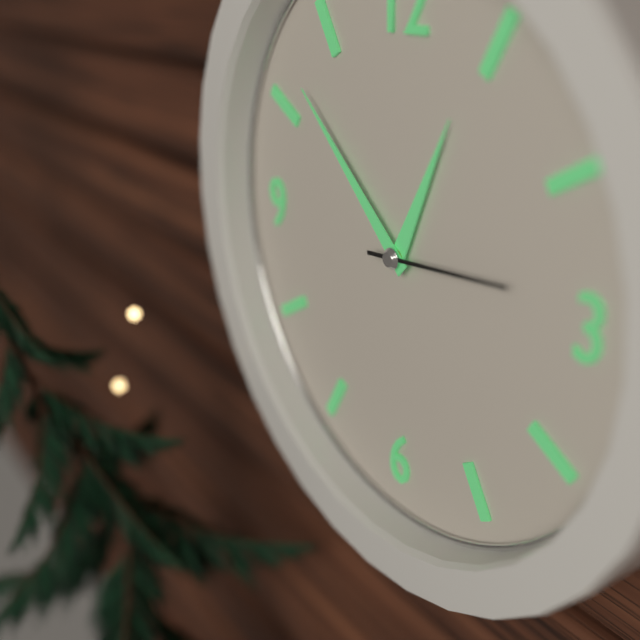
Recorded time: 12.52.14
